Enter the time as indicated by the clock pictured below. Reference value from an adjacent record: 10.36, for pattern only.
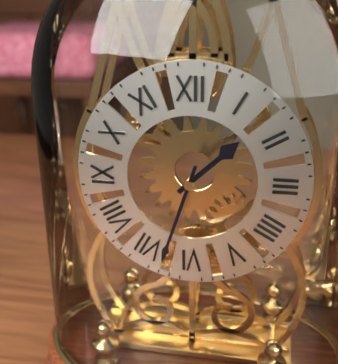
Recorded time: 1.33
